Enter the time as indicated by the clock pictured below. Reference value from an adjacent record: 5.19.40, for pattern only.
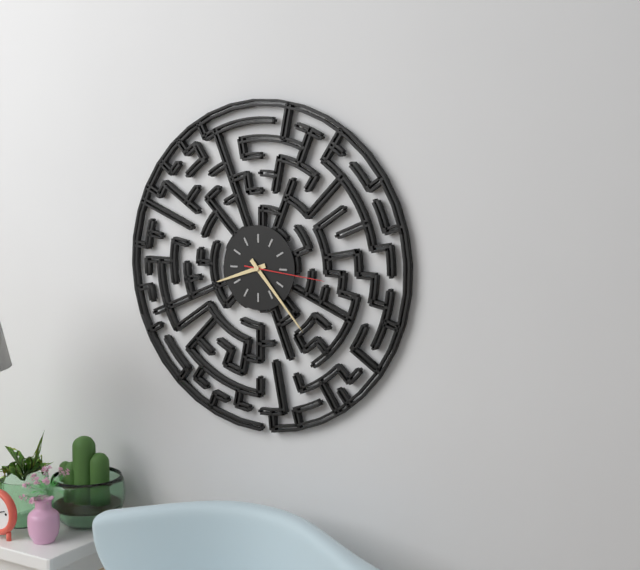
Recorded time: 8.23.16
